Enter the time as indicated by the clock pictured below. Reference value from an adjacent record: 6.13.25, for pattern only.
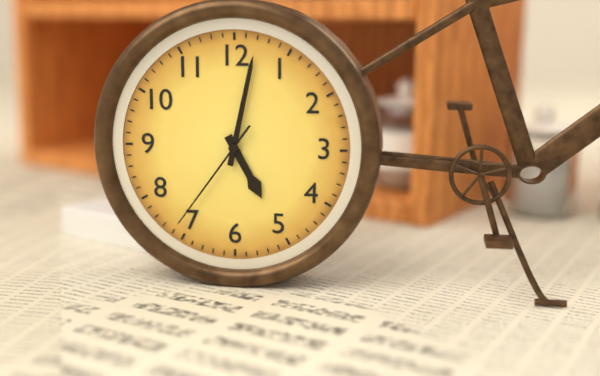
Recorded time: 5.02.36
